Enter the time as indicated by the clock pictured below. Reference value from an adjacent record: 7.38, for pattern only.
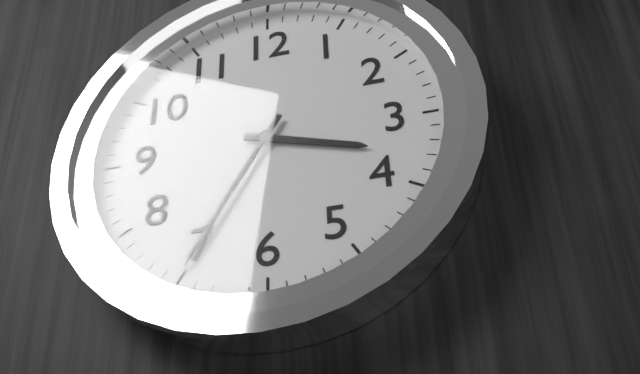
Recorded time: 3.35
